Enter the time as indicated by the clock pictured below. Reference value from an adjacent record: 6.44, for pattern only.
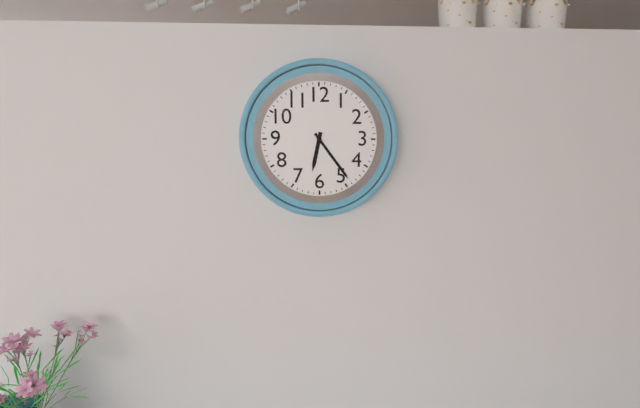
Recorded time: 6.24
